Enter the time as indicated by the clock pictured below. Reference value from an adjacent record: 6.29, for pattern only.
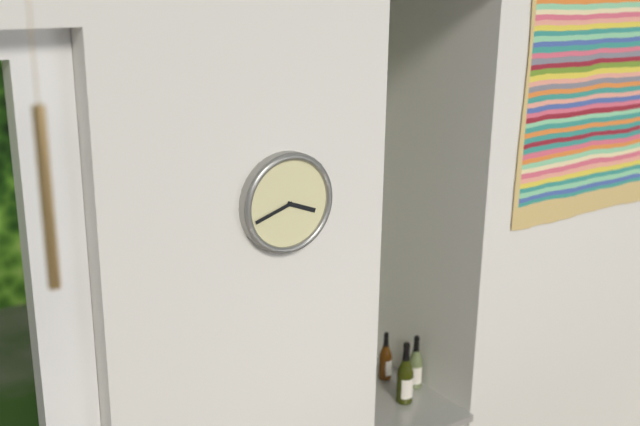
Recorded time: 3.42
